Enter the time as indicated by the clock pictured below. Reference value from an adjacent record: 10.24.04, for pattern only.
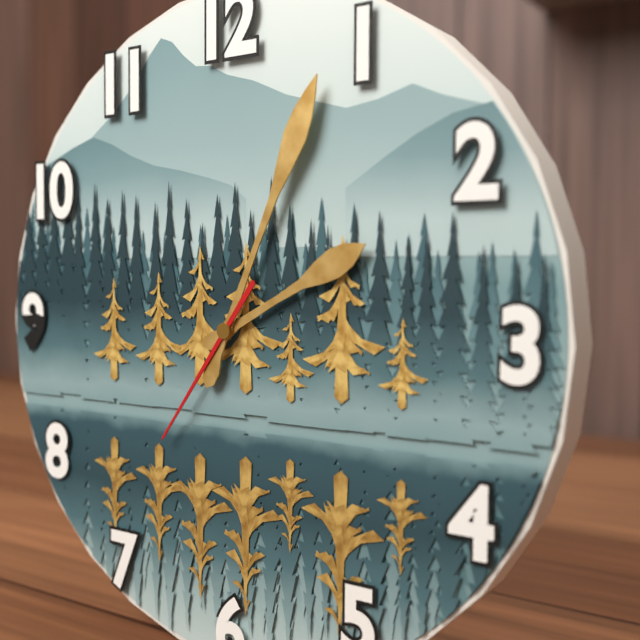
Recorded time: 2.04.36
